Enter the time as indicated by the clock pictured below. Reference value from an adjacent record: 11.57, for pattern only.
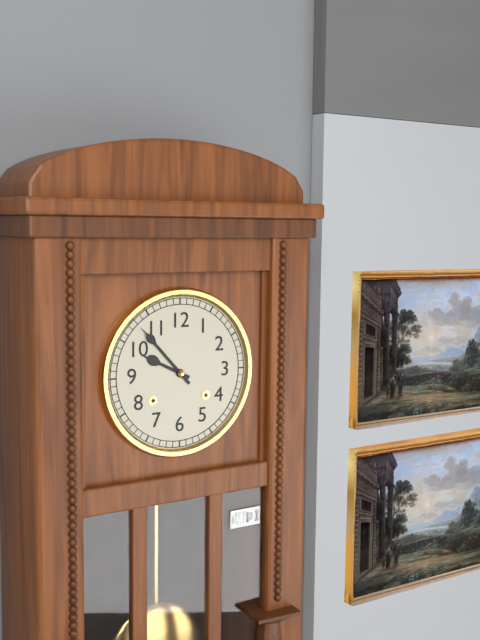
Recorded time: 9.53
